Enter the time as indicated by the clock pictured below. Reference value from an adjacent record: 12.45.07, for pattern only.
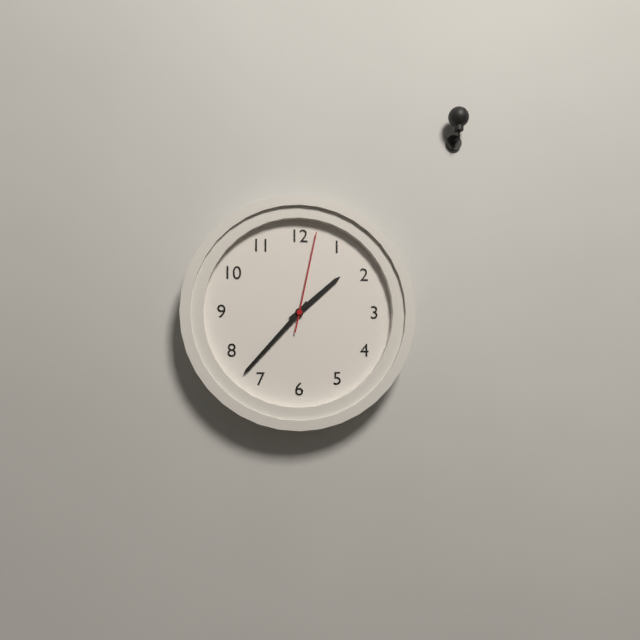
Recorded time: 1.37.02
